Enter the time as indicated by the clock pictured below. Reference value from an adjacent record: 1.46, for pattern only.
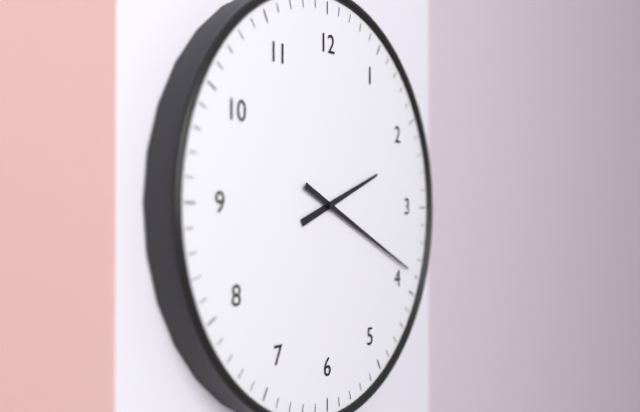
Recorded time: 2.19
